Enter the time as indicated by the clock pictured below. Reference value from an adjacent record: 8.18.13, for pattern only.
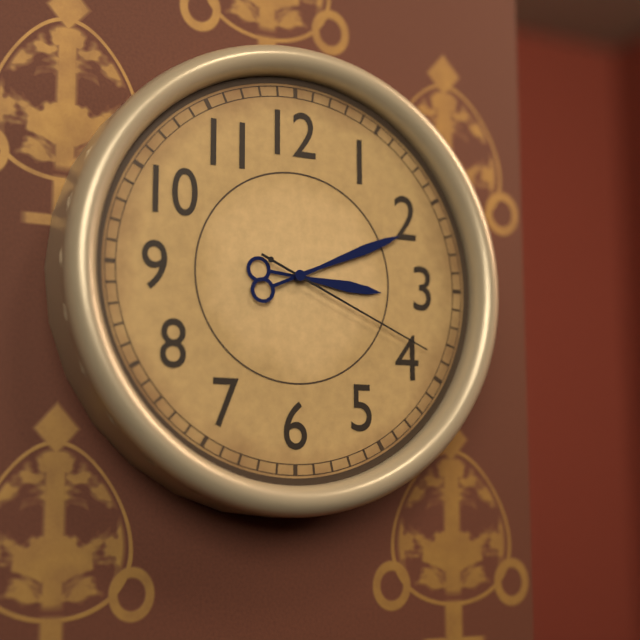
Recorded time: 3.11.19
